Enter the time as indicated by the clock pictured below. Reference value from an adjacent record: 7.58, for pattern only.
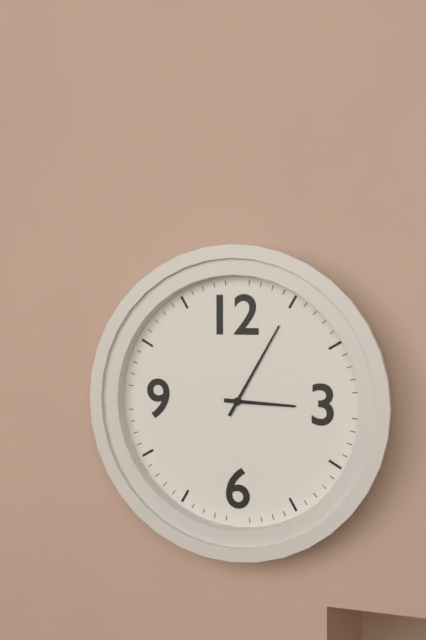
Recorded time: 3.05
